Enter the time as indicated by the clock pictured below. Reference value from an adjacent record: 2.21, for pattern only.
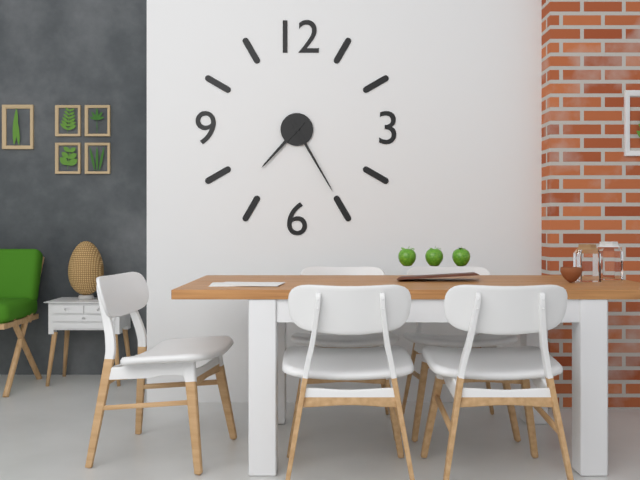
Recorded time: 7.25
